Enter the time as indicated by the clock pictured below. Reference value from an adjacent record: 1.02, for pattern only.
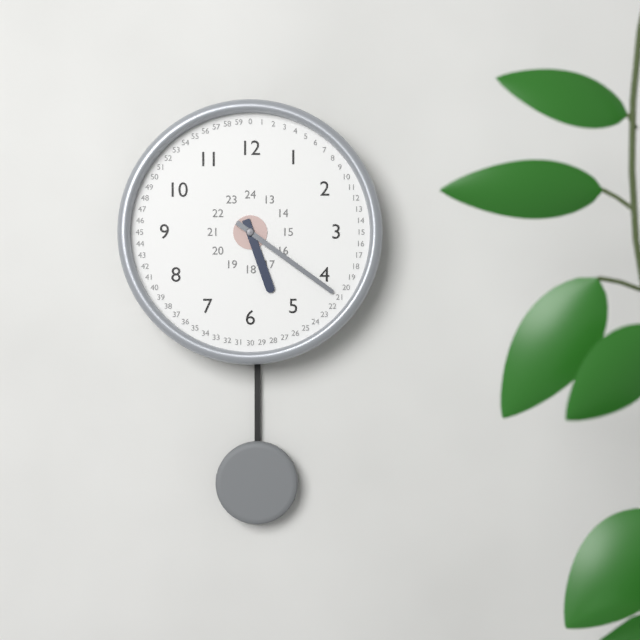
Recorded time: 5.21
